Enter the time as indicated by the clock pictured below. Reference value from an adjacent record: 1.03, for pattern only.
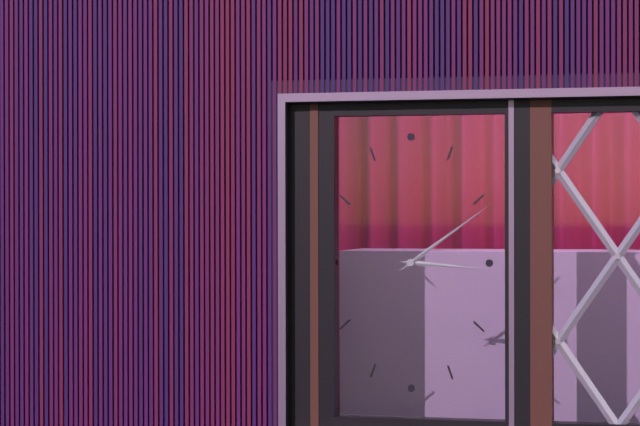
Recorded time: 3.09
